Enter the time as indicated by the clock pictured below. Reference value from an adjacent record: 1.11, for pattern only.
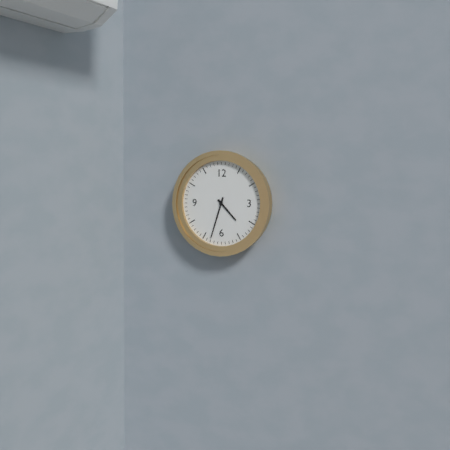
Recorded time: 4.33
